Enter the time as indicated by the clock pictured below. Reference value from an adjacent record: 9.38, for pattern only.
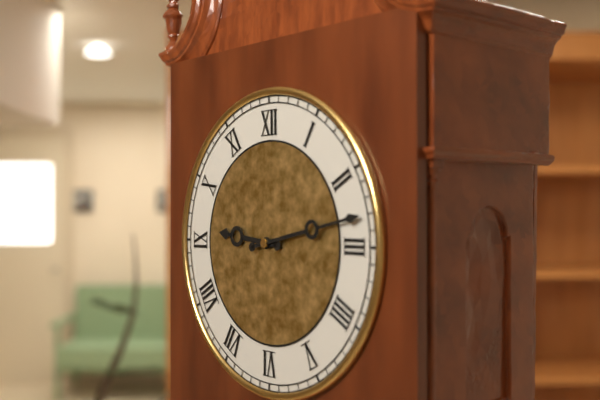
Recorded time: 9.13
